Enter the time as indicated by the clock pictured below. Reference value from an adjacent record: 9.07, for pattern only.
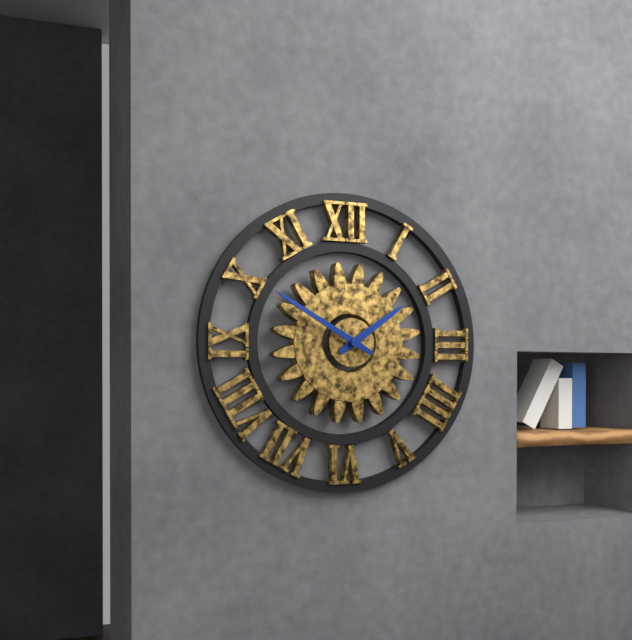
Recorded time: 1.50
